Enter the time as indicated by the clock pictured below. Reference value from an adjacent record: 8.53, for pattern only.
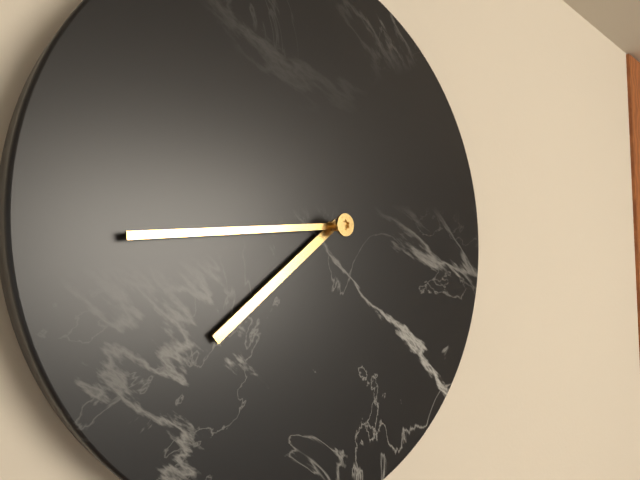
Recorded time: 7.44
